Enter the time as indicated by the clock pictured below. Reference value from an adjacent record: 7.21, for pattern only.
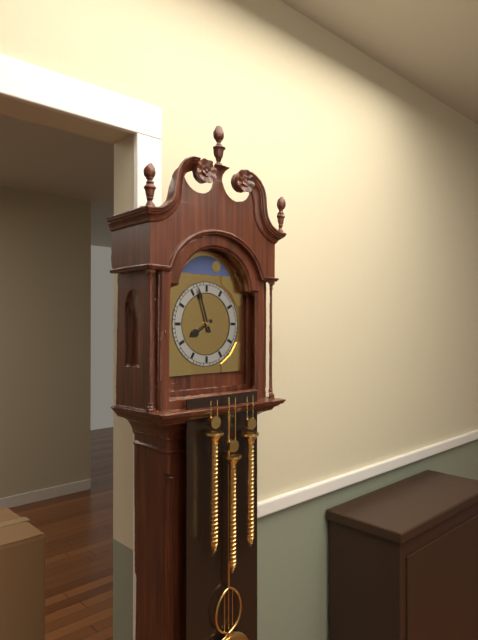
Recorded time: 7.57
